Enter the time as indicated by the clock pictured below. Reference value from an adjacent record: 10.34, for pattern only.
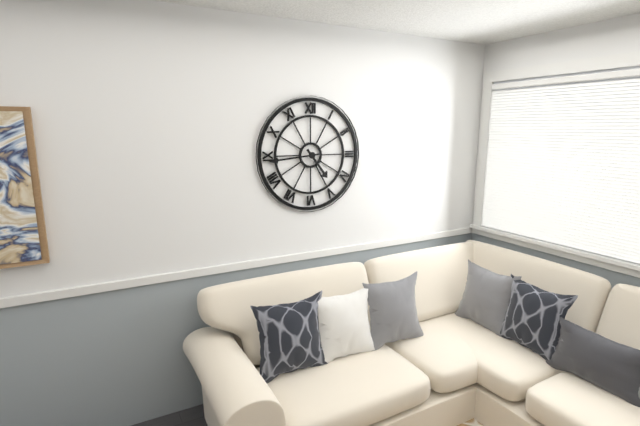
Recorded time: 4.44
